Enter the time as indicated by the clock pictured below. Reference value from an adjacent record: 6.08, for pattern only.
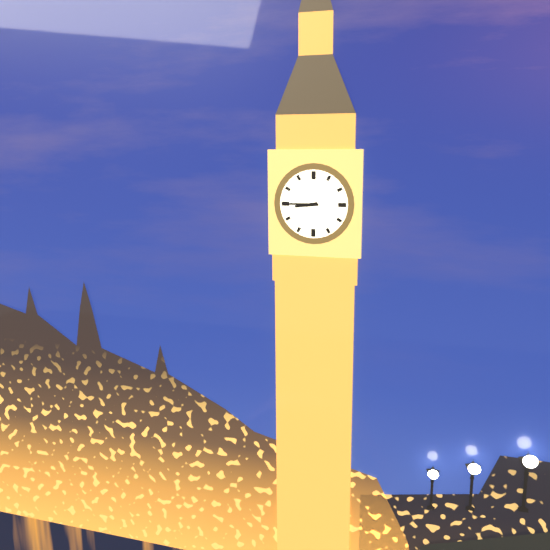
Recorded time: 8.45
